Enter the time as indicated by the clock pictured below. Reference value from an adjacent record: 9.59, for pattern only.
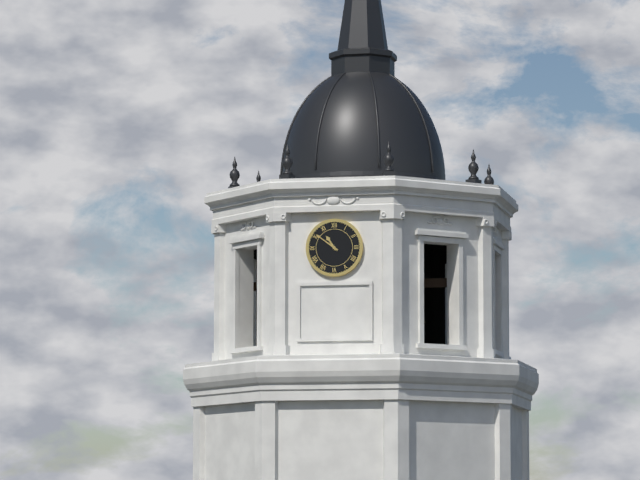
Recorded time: 10.51
